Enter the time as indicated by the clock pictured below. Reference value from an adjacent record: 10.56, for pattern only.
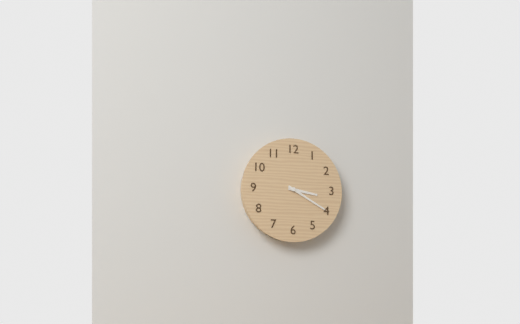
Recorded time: 3.20
